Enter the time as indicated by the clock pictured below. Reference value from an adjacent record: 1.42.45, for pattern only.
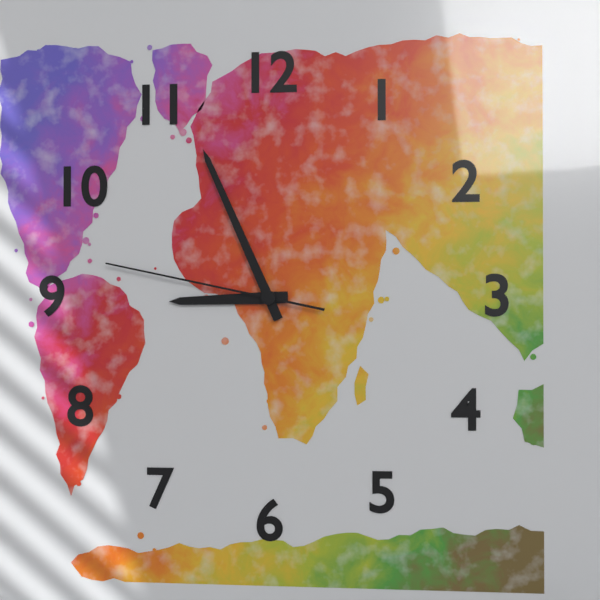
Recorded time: 8.56.47
